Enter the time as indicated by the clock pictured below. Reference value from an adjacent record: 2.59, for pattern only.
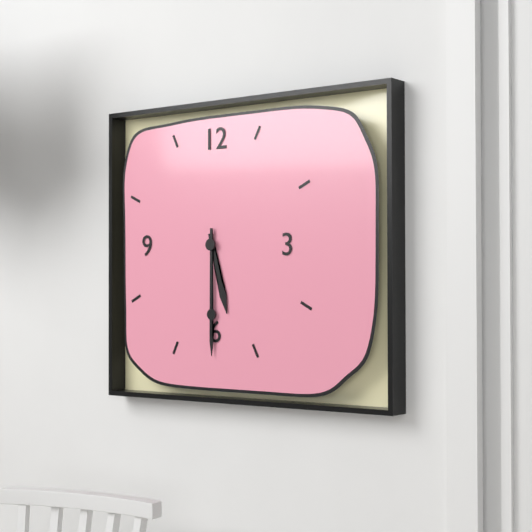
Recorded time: 5.30
